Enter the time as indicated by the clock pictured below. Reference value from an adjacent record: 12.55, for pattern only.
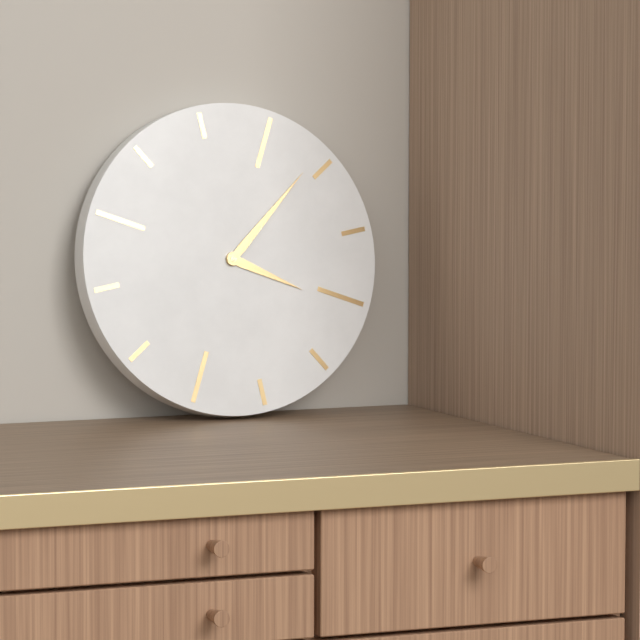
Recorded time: 4.09
